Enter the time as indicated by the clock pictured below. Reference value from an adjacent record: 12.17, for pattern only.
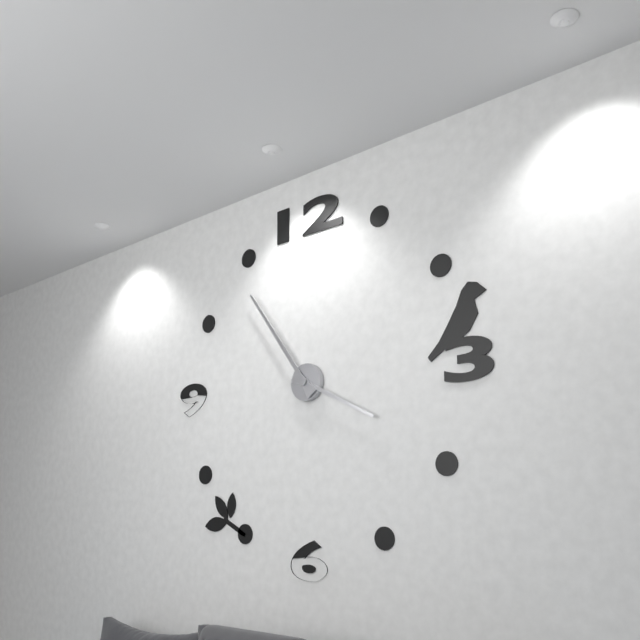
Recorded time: 3.54
